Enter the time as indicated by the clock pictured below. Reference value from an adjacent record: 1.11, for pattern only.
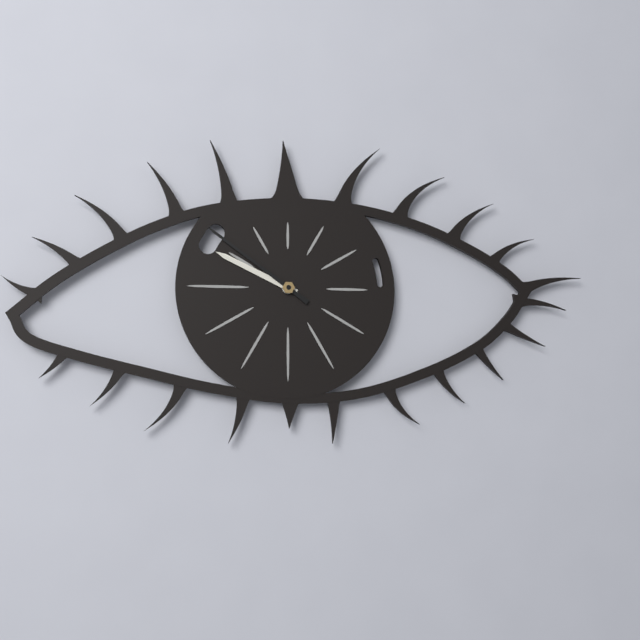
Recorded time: 9.51
